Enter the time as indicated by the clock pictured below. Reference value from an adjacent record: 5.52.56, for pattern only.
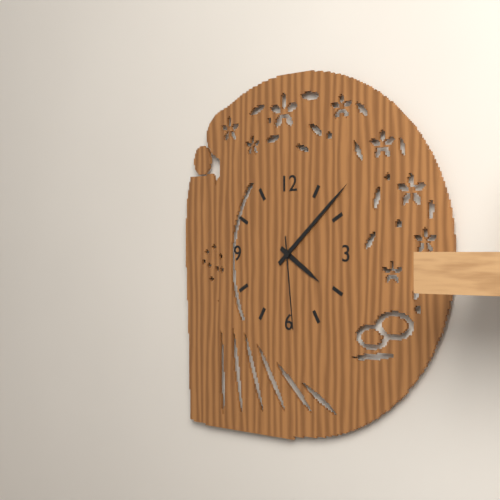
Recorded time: 4.08.29
